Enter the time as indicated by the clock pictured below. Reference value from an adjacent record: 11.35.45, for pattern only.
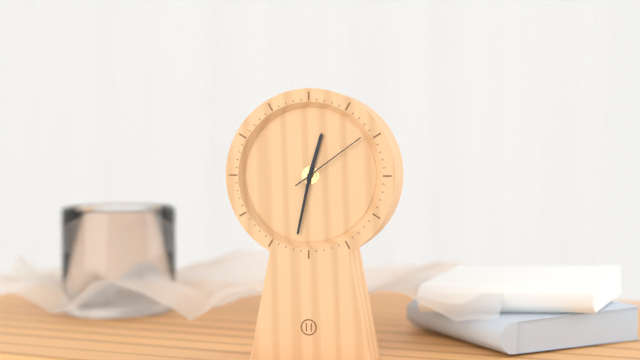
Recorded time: 12.32.09
